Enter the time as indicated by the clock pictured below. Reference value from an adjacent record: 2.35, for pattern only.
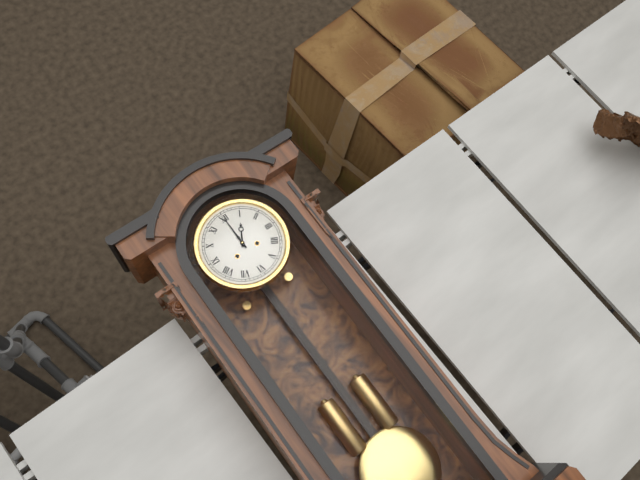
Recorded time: 1.00
